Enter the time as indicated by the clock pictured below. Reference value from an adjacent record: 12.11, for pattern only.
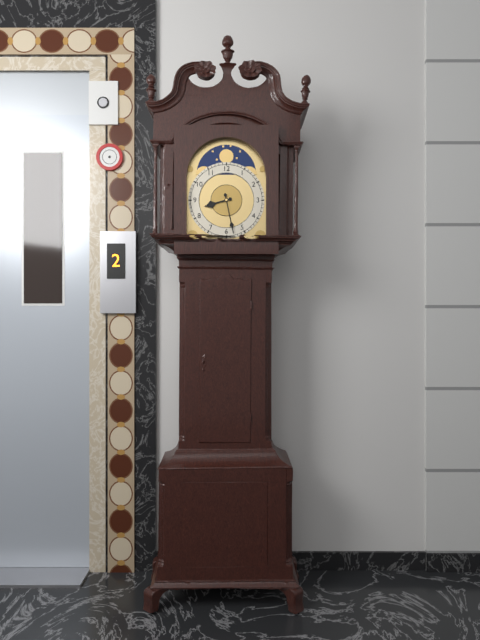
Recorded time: 8.28
